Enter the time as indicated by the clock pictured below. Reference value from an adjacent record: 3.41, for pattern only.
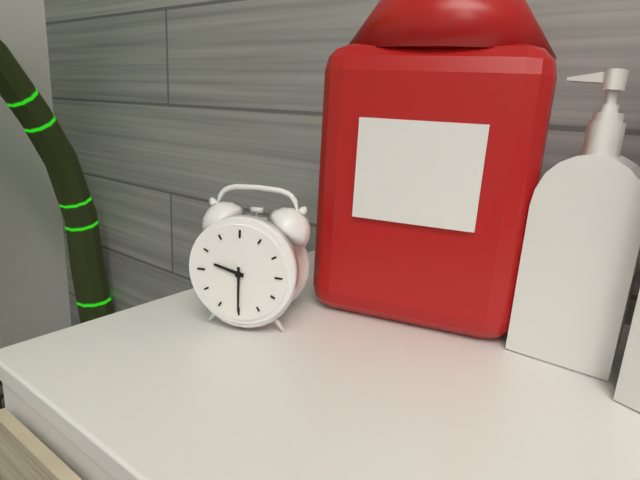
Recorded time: 9.30
